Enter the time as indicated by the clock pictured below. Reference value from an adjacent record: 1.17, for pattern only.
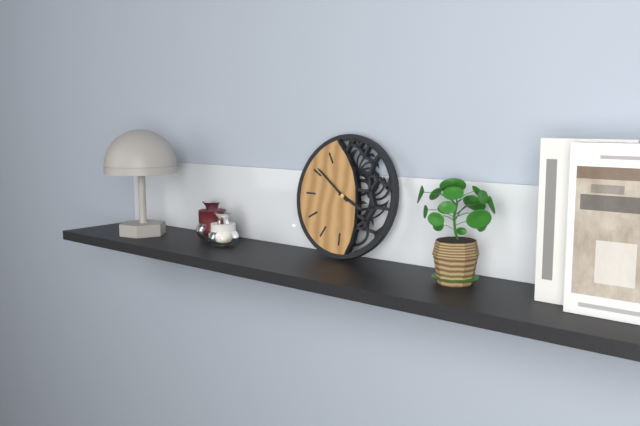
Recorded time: 3.51
